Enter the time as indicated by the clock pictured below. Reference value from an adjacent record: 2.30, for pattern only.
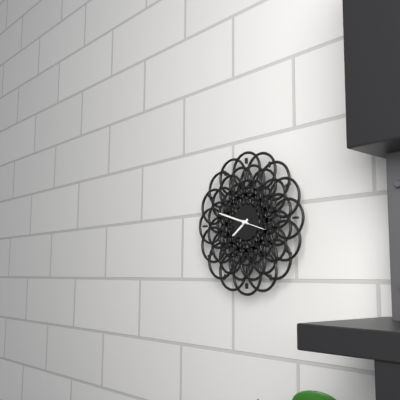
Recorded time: 7.48
